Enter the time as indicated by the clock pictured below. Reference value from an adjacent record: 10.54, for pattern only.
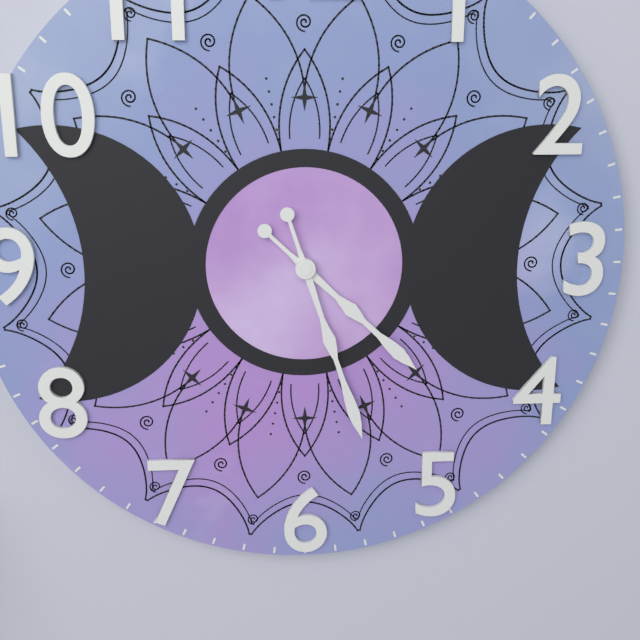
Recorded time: 4.27
